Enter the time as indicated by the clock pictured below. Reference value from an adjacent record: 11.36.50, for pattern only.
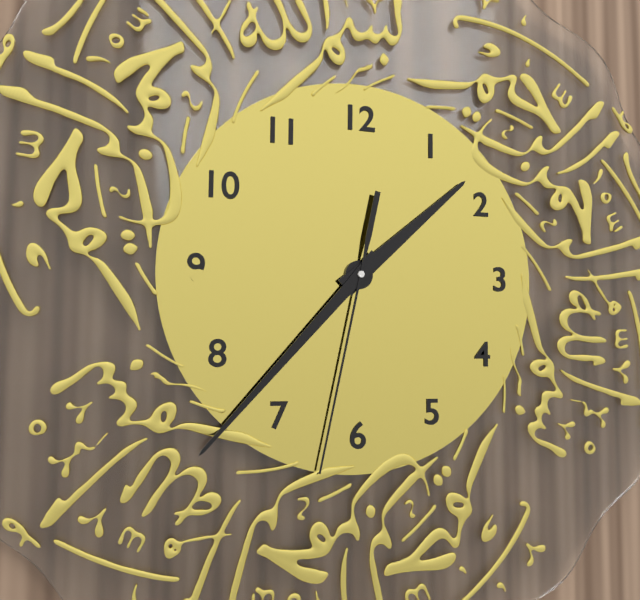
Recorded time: 1.37.32
